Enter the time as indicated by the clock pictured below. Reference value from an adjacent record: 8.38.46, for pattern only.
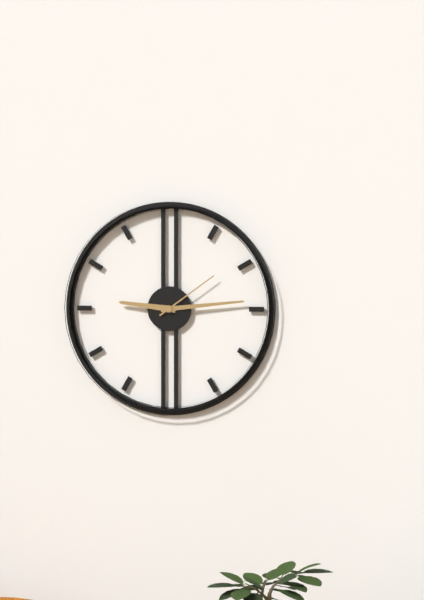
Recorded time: 9.14.09
